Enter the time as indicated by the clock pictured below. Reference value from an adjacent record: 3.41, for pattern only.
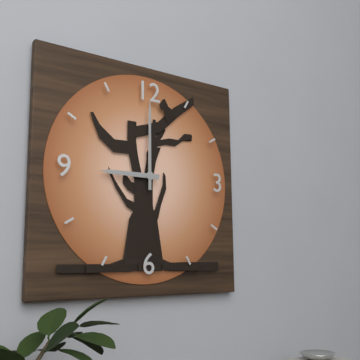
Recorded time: 9.00
